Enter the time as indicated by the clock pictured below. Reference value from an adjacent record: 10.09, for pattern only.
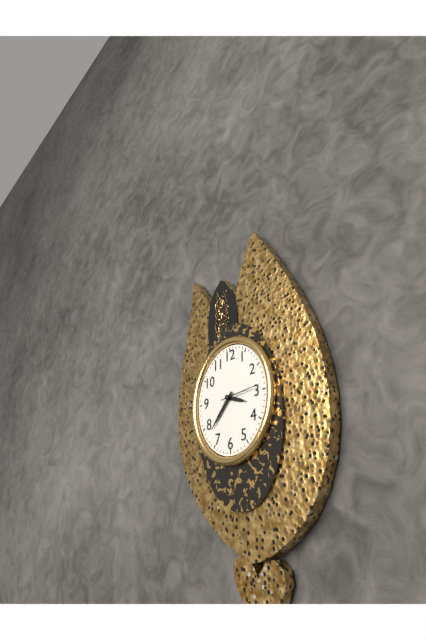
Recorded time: 3.37
